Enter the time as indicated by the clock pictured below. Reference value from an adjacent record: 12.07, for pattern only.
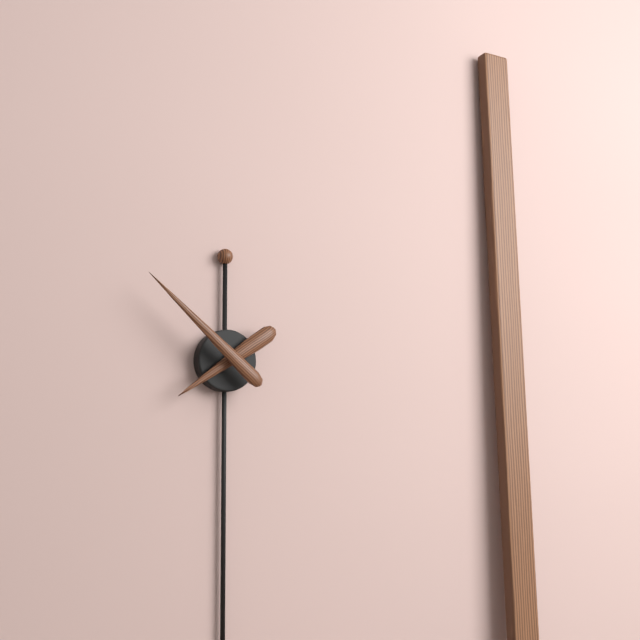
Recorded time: 7.52
